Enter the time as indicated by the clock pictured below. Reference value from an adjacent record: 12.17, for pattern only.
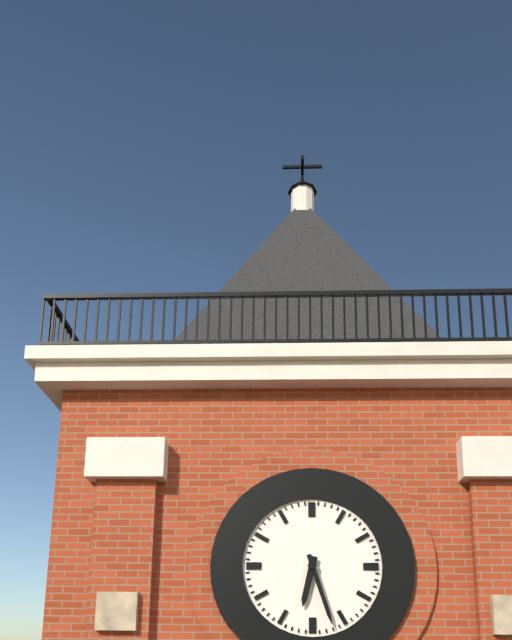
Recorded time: 6.27
